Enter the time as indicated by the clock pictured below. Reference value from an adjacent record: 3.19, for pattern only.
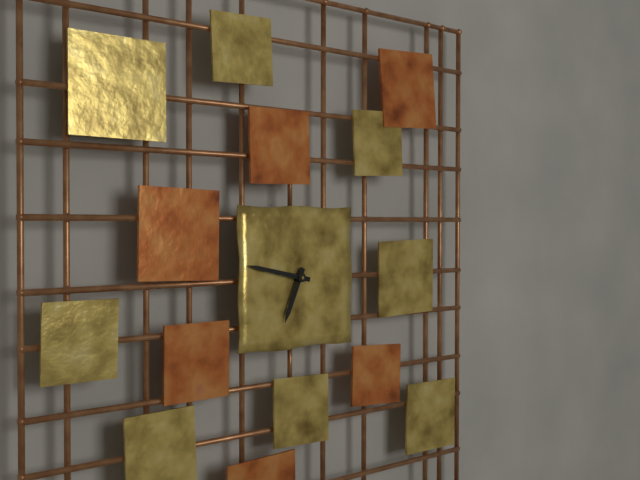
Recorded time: 6.47
